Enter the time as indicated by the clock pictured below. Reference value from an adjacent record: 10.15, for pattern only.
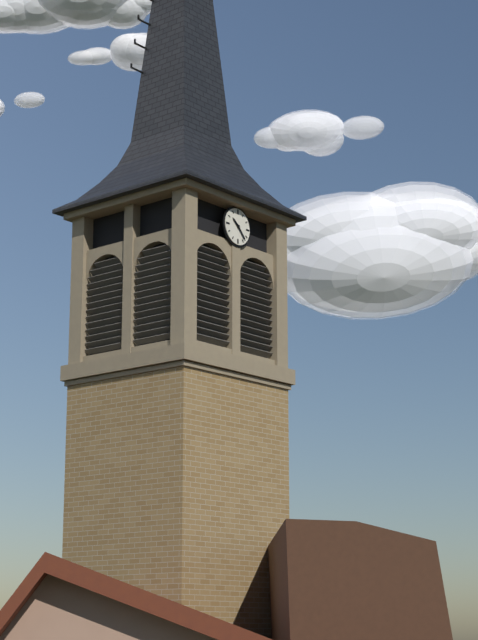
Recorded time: 10.23
